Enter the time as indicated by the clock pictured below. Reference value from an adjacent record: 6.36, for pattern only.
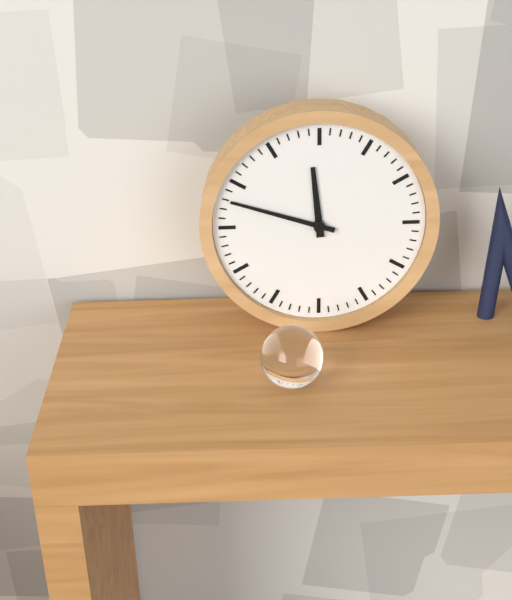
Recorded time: 11.48
